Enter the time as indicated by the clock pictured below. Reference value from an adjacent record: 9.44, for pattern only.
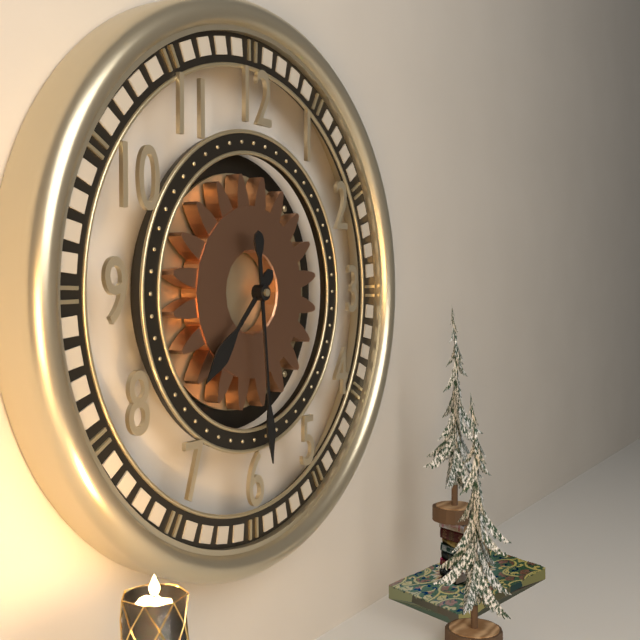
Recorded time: 7.29
